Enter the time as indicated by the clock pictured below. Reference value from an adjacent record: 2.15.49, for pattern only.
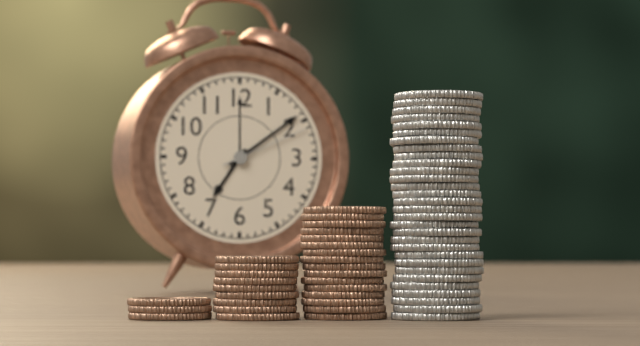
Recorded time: 7.09.11
